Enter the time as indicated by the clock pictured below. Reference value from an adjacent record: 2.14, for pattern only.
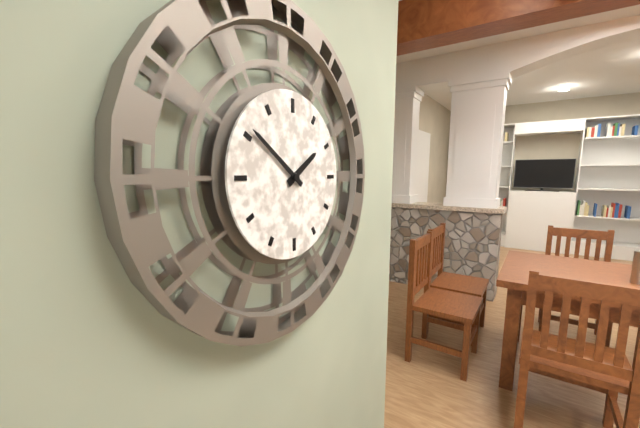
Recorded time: 1.51
